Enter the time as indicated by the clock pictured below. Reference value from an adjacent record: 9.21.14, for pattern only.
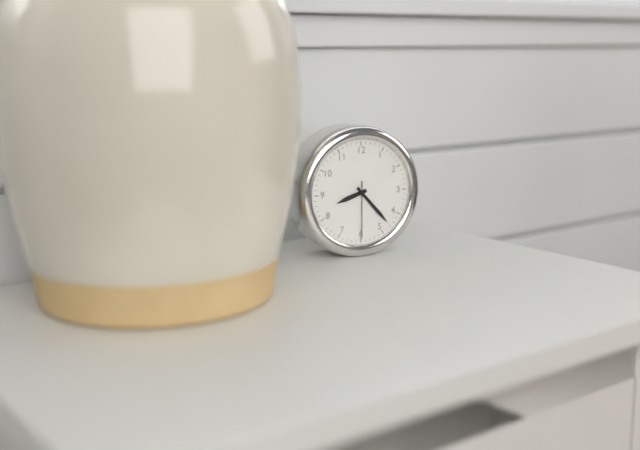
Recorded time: 8.23.30
